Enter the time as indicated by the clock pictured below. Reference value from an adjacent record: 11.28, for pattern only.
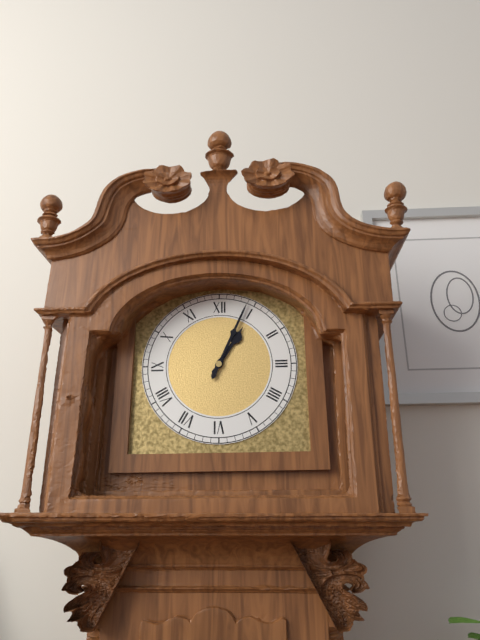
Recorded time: 1.04
